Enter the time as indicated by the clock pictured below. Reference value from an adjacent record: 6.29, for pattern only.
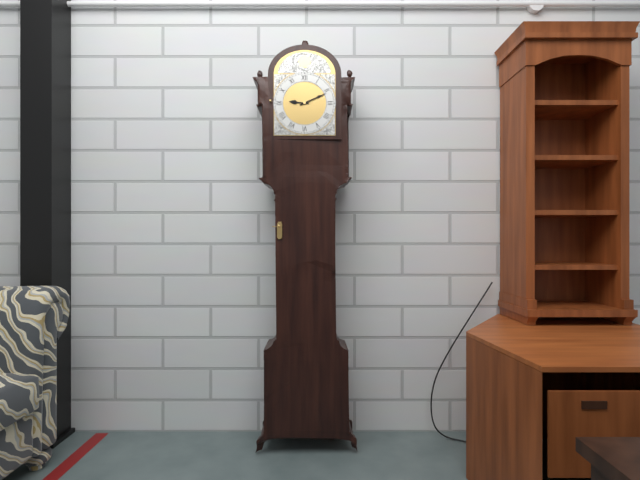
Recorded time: 9.11
